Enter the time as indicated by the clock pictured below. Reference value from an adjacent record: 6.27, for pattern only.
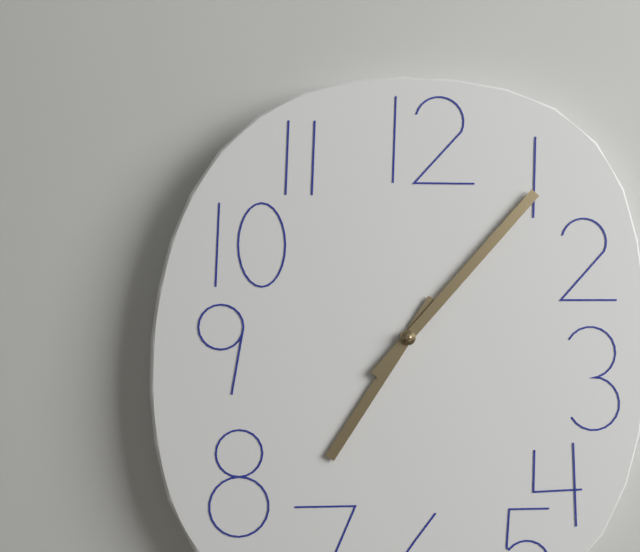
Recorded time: 7.07
